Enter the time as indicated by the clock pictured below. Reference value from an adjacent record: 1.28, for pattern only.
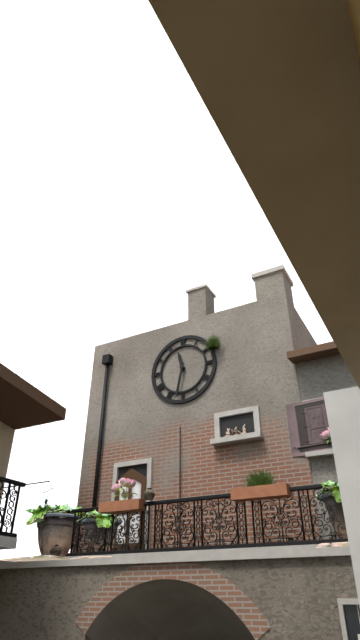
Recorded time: 11.32
